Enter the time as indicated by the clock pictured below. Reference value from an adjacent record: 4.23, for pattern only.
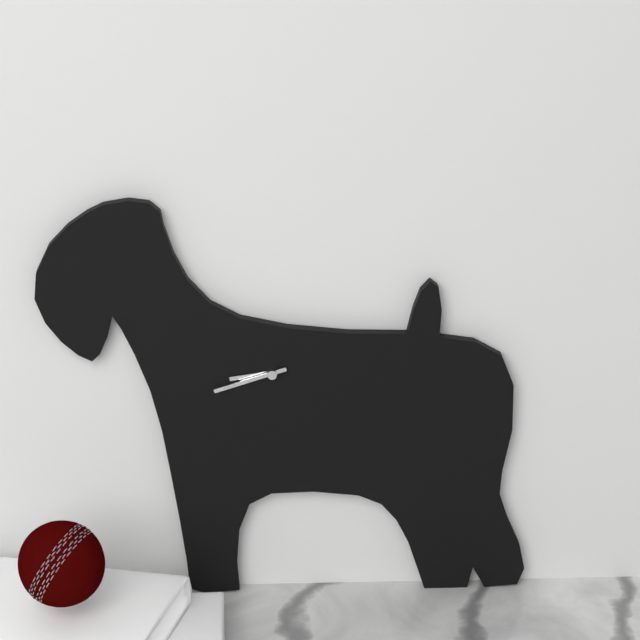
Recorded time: 8.42
